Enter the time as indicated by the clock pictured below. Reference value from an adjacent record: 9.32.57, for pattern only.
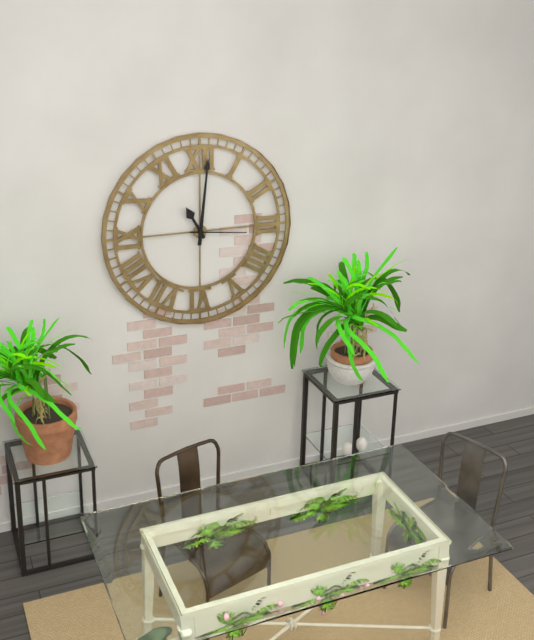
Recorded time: 11.01.16
